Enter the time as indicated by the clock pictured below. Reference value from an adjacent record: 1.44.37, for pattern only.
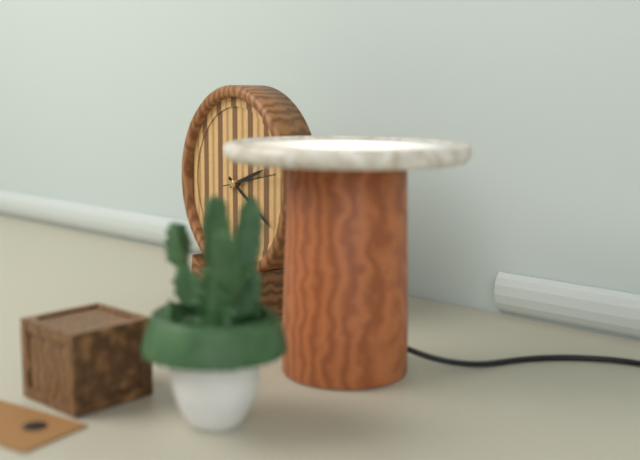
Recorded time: 2.20.13
